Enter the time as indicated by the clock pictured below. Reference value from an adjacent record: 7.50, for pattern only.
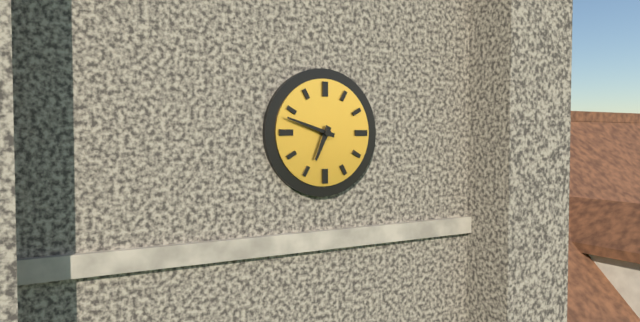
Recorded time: 6.48
